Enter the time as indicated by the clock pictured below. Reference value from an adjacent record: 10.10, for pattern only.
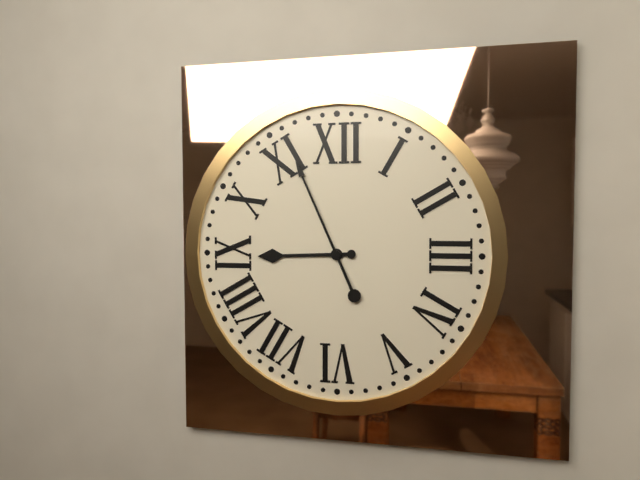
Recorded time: 8.56
